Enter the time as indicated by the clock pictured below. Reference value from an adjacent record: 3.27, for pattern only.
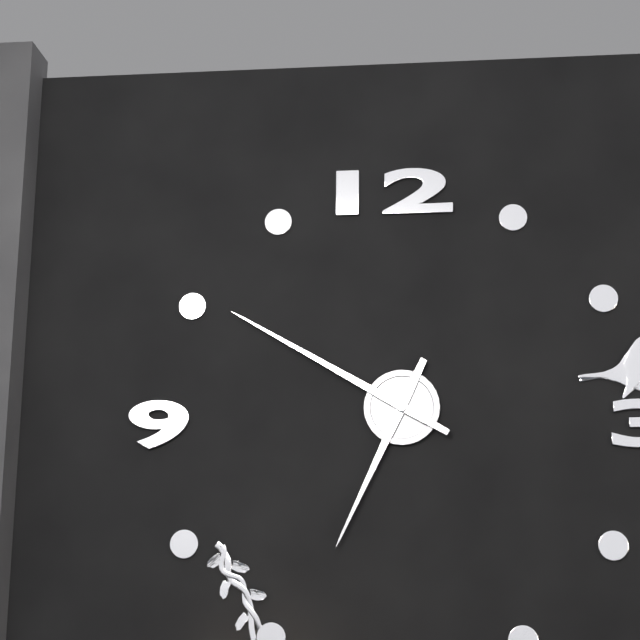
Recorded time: 6.50
